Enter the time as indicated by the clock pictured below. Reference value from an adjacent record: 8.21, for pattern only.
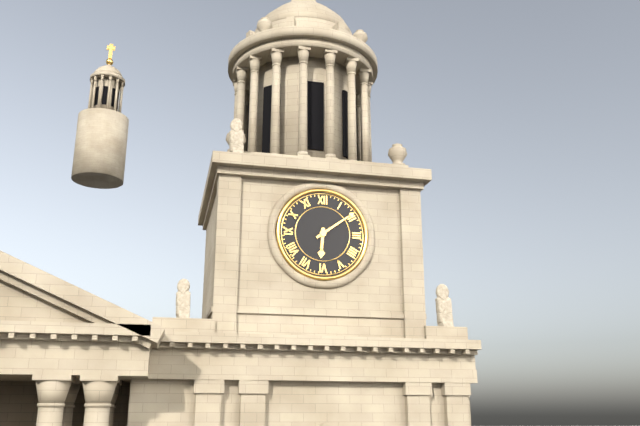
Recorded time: 6.09
